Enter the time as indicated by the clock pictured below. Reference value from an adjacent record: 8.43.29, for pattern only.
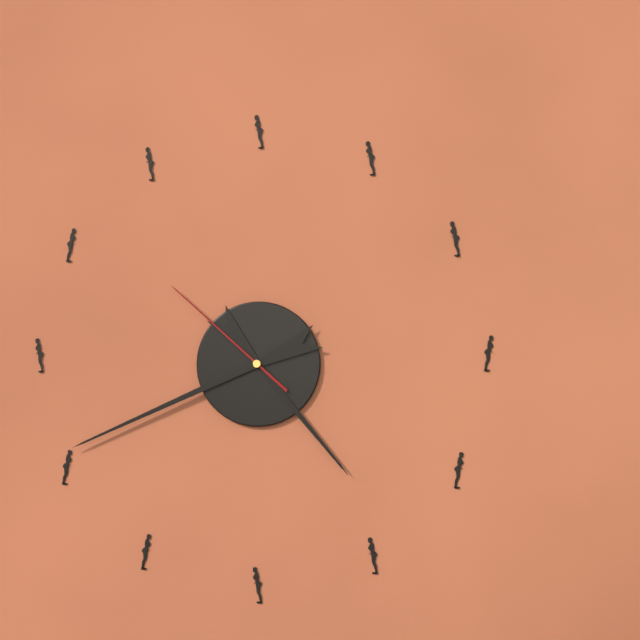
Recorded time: 4.41.52
